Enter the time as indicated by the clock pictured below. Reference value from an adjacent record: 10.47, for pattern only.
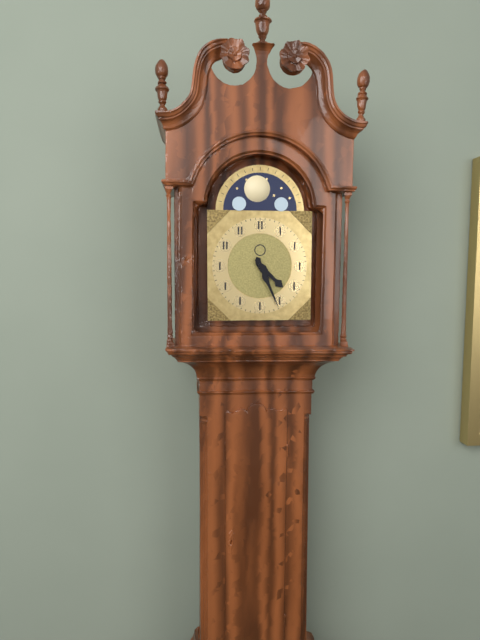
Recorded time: 4.26
